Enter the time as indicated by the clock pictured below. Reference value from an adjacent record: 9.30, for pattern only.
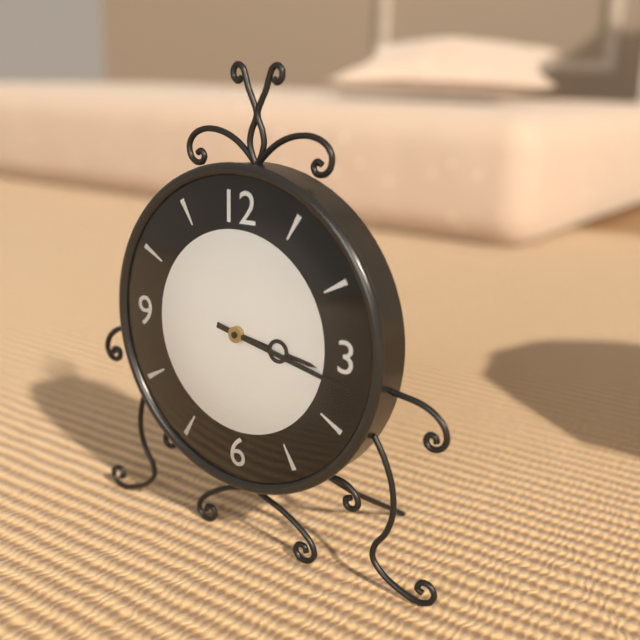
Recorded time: 3.17
